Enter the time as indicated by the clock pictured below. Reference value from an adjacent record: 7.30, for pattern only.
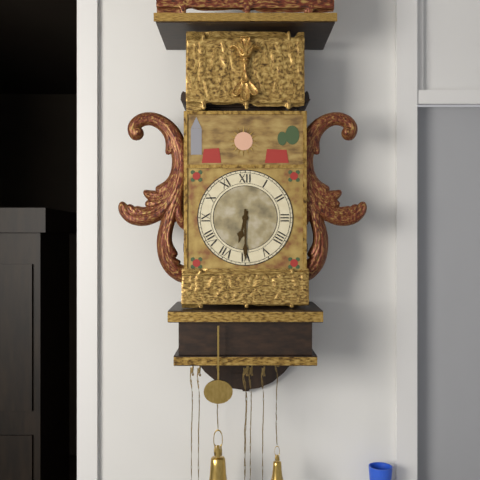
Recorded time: 6.30
